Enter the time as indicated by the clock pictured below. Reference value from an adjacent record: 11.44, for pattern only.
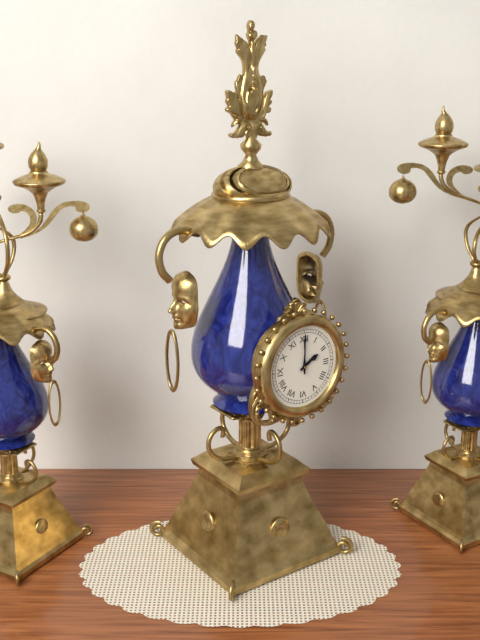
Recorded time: 2.00
